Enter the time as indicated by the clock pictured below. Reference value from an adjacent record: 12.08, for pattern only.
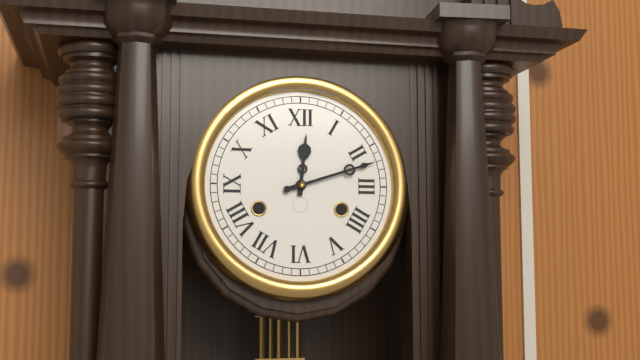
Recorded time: 12.12
